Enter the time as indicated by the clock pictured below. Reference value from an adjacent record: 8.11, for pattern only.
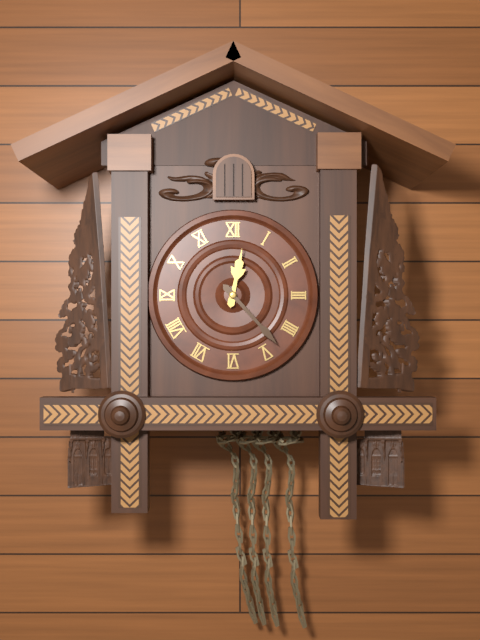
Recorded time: 12.23
